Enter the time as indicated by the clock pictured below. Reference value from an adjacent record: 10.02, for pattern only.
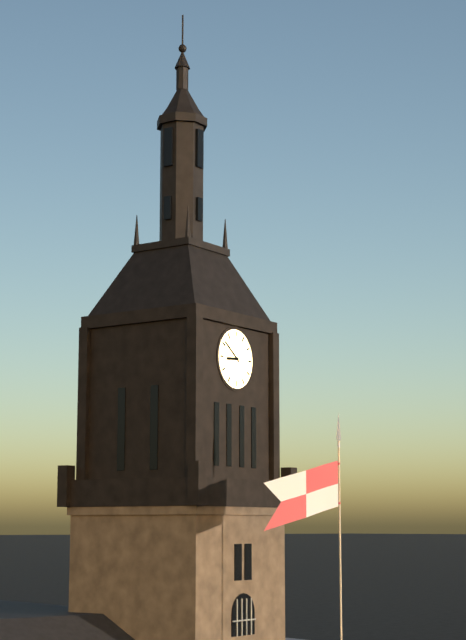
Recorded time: 8.51
